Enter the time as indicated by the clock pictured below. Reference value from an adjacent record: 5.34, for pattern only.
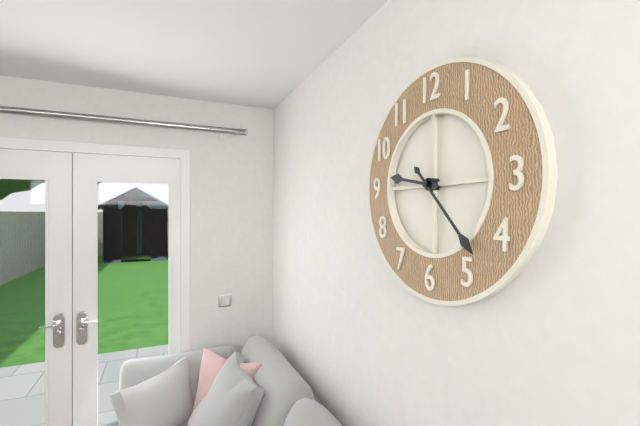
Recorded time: 9.23
